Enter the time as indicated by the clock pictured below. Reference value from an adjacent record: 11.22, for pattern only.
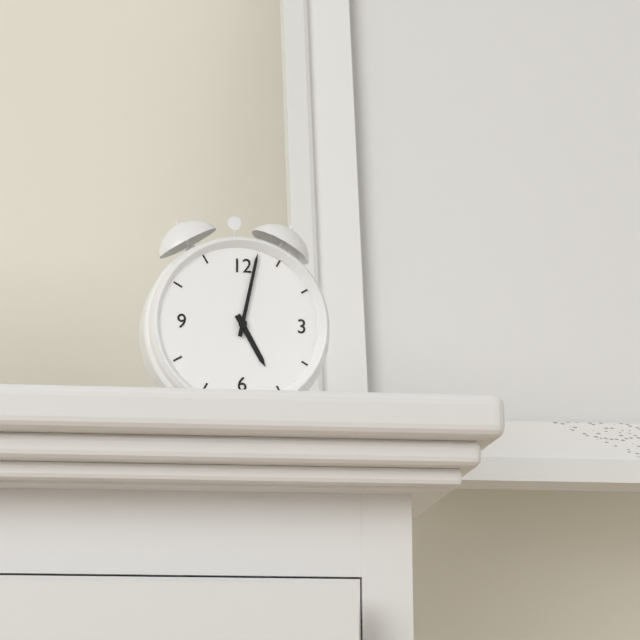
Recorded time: 5.02
